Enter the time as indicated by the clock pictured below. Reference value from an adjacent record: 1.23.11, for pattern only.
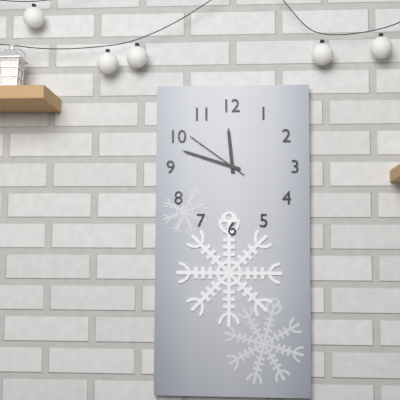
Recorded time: 11.48.51
